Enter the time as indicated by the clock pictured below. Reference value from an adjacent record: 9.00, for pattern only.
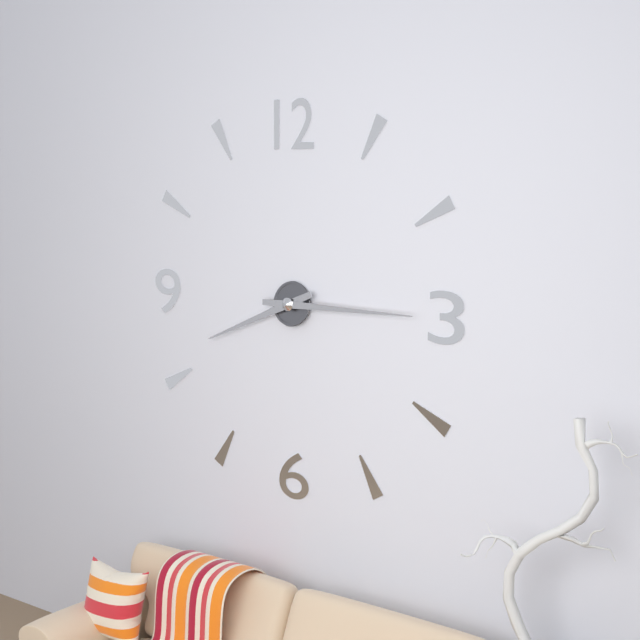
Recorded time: 8.15
